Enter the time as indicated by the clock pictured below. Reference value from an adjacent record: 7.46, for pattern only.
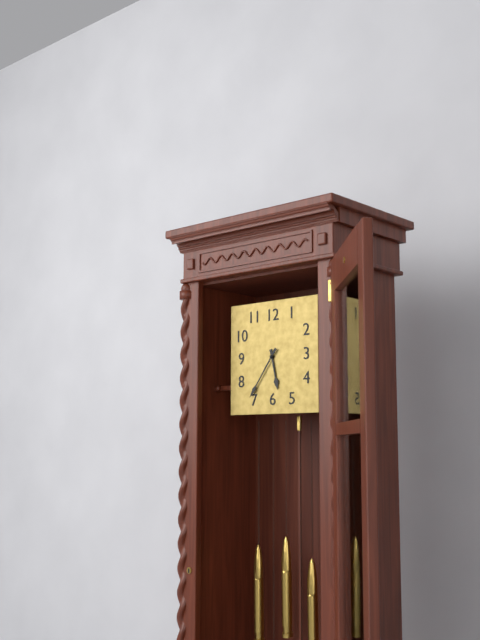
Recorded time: 5.36
